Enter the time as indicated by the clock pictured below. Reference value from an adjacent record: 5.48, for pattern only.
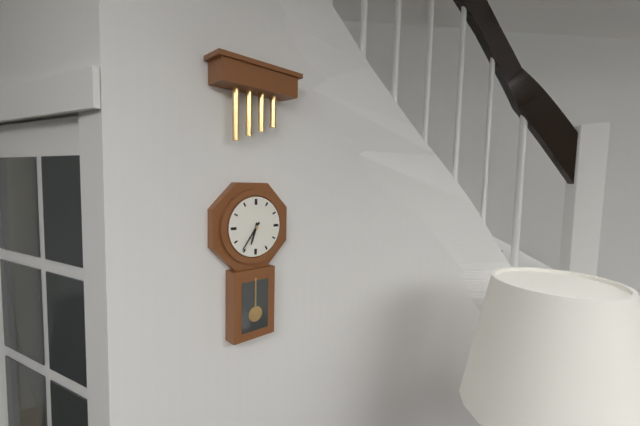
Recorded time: 6.36
